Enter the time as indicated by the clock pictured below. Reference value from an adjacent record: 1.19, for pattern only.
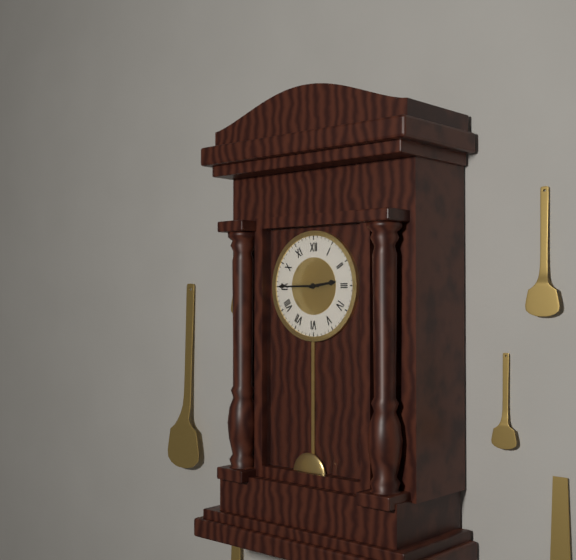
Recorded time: 2.45
